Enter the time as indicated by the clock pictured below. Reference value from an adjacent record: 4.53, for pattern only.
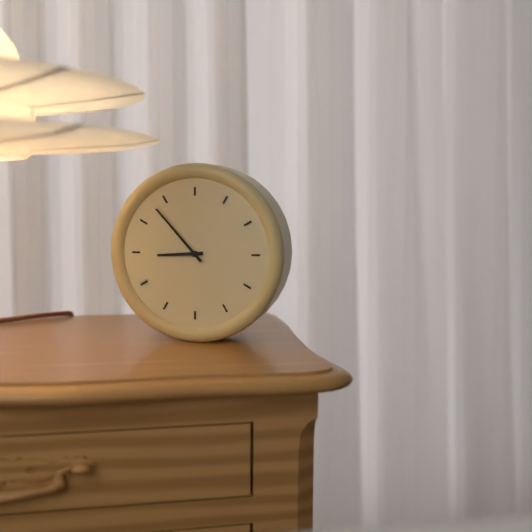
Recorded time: 8.53
